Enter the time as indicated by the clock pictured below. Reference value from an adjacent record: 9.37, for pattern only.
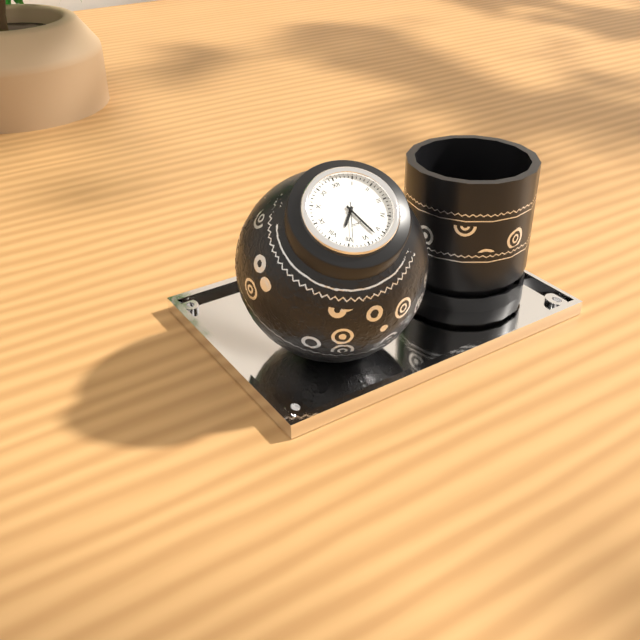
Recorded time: 7.27
